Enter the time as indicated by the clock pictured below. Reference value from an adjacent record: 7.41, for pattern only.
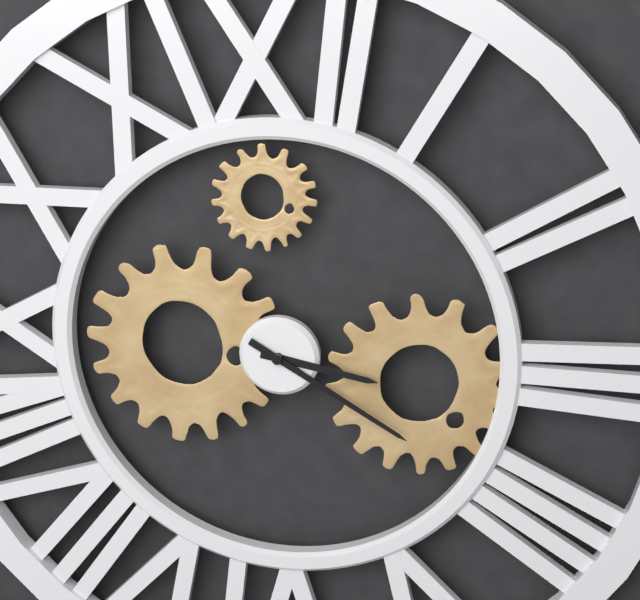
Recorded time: 3.20
